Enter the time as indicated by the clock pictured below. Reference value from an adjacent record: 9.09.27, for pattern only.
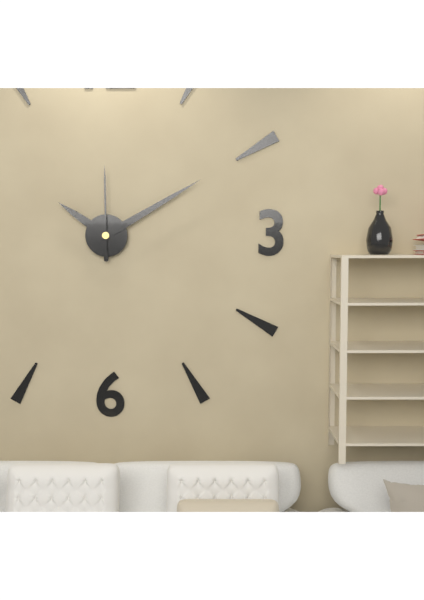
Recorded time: 10.10.00
